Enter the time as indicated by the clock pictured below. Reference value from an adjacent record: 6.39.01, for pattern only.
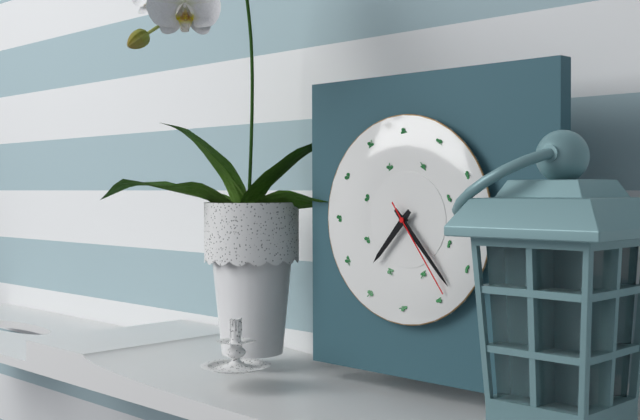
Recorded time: 7.23.24
